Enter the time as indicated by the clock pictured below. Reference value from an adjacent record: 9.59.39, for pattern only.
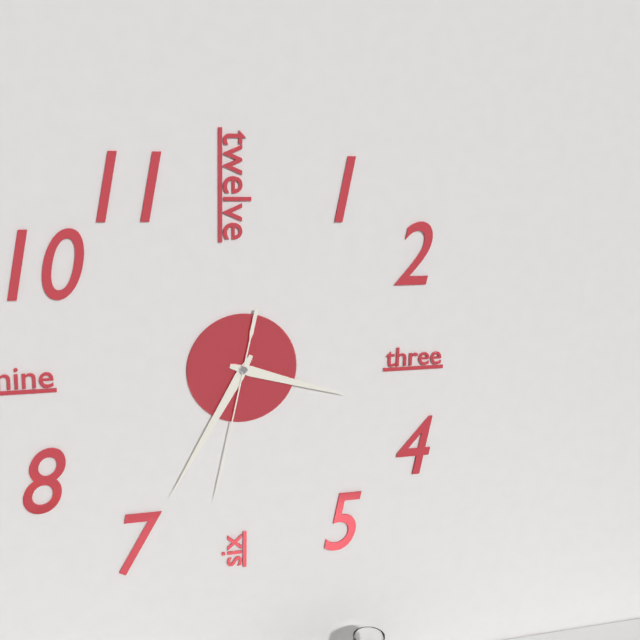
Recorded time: 3.35.32
